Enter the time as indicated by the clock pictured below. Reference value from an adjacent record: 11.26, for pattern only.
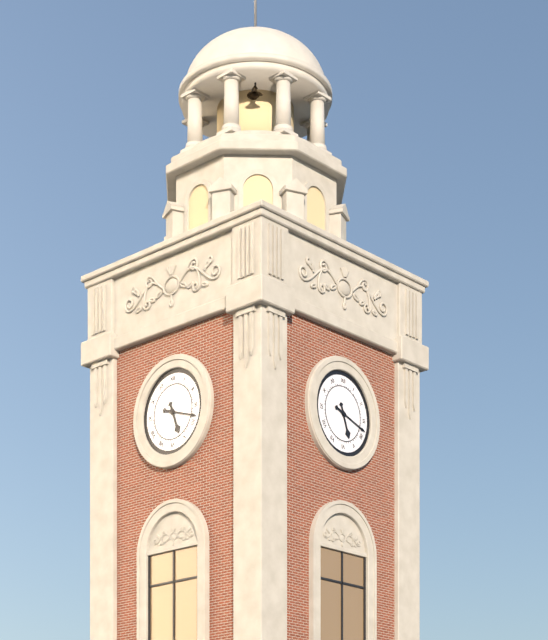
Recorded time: 5.18
